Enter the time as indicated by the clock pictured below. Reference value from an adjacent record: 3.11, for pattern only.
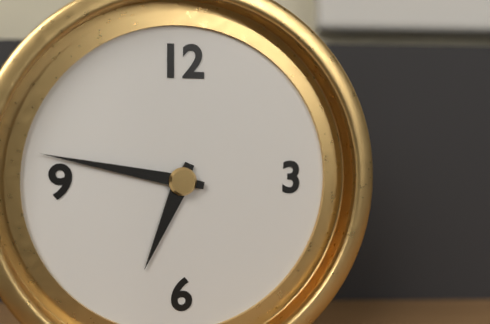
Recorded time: 6.47
